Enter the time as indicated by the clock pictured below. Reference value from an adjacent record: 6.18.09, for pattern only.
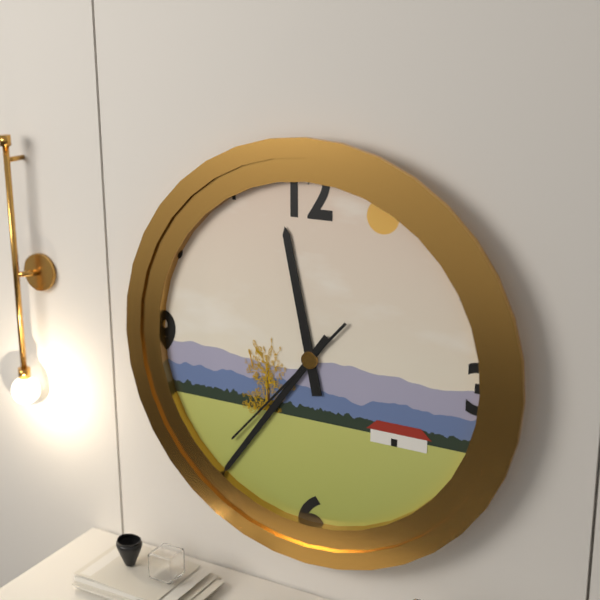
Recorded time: 11.36.37
